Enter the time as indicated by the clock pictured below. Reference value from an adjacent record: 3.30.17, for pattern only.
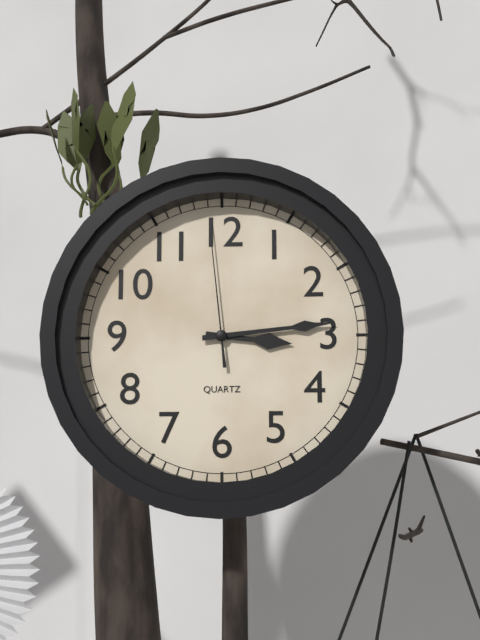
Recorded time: 3.14.59
